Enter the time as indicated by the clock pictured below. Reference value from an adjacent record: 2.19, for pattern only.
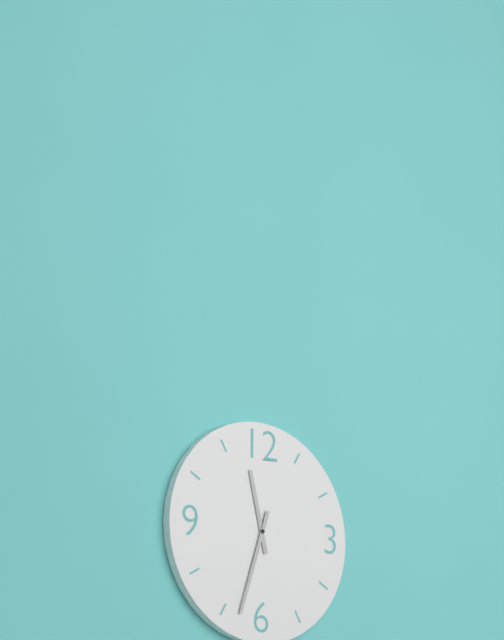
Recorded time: 11.33
